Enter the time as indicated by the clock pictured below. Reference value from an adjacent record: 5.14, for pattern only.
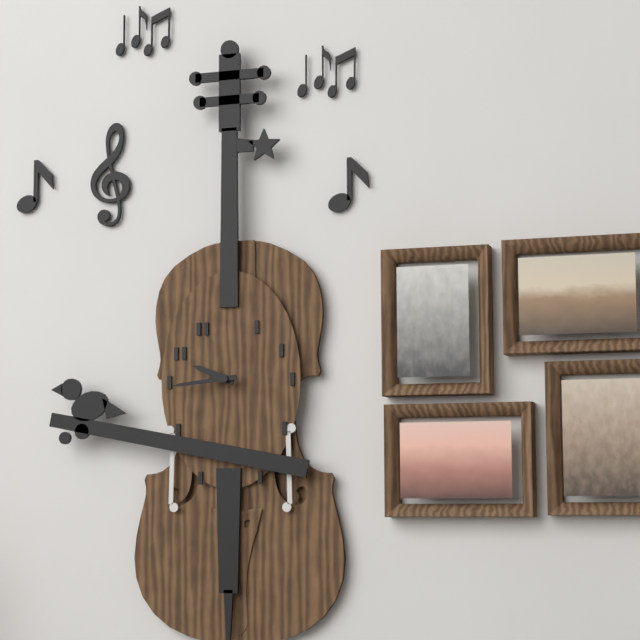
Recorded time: 9.44
